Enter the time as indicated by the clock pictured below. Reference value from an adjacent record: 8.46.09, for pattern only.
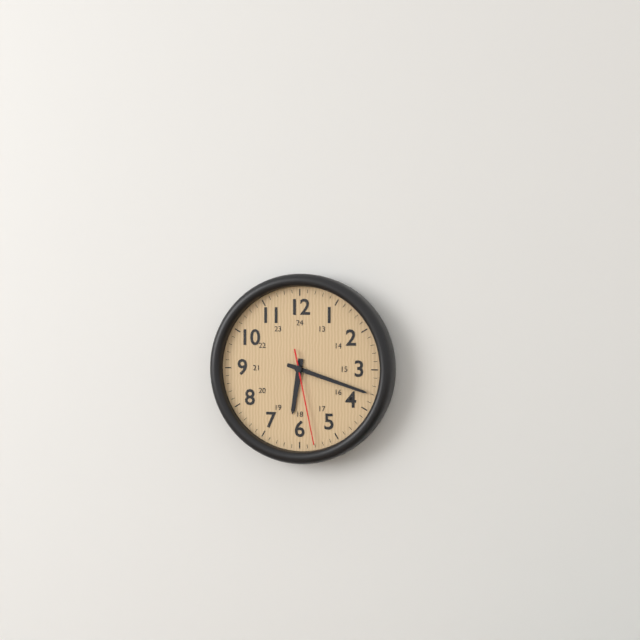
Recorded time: 6.18.28
